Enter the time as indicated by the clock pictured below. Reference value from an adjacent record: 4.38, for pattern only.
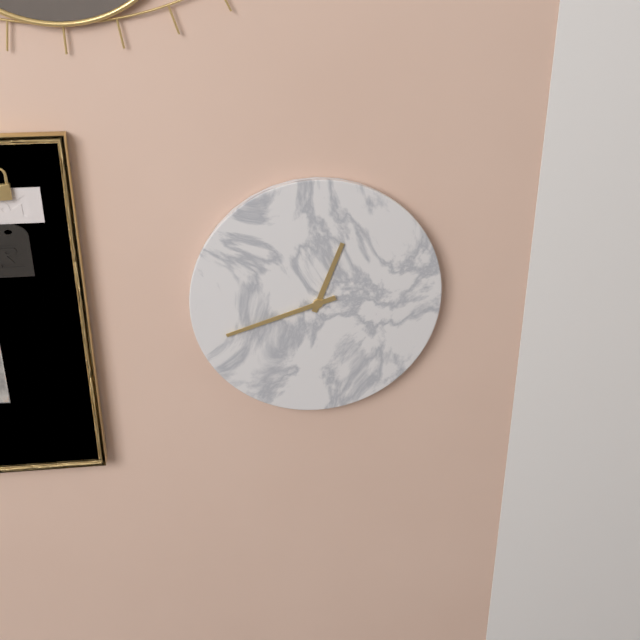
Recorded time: 12.42
